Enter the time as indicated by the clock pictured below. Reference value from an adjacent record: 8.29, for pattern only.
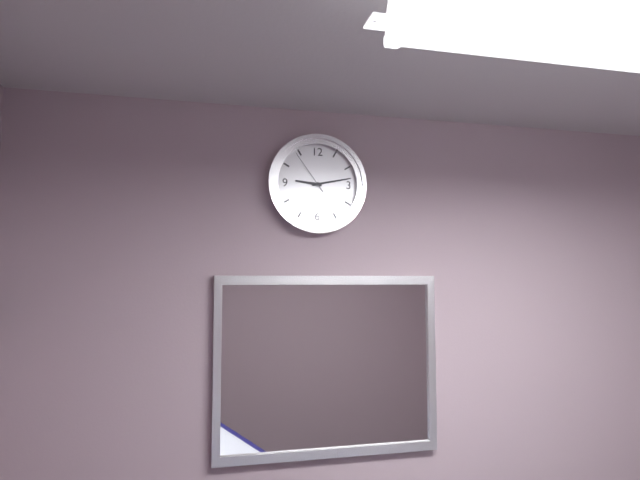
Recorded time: 9.13
